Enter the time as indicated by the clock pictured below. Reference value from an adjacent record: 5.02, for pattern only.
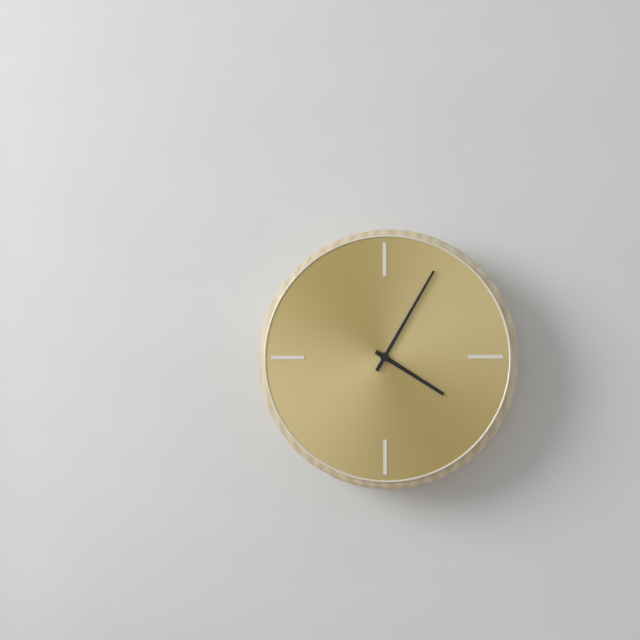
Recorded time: 4.05
